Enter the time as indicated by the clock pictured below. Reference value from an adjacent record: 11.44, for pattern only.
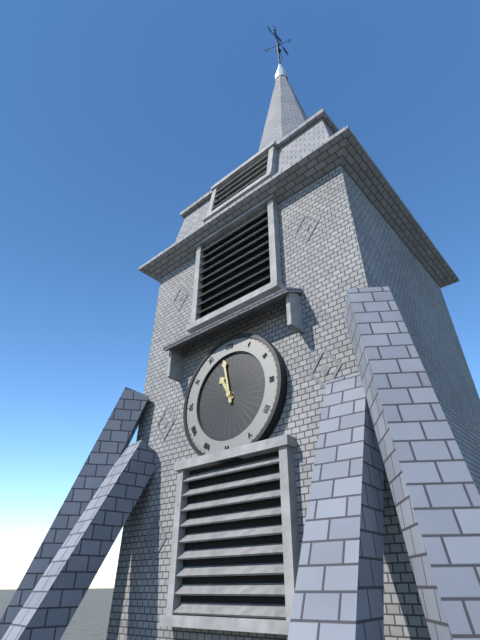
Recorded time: 10.58
